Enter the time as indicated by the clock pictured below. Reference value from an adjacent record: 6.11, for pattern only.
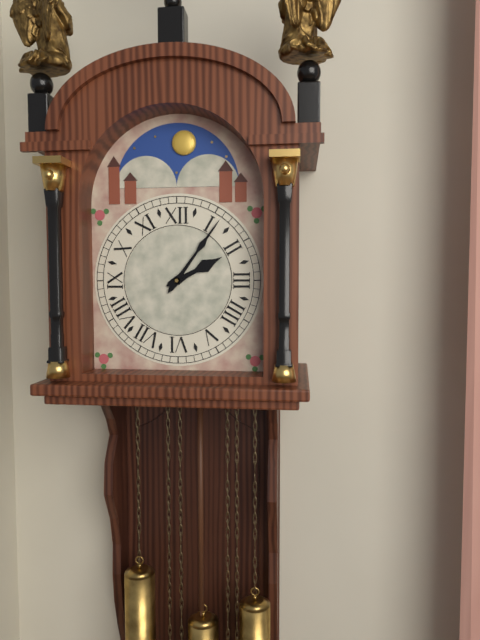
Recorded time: 2.06
